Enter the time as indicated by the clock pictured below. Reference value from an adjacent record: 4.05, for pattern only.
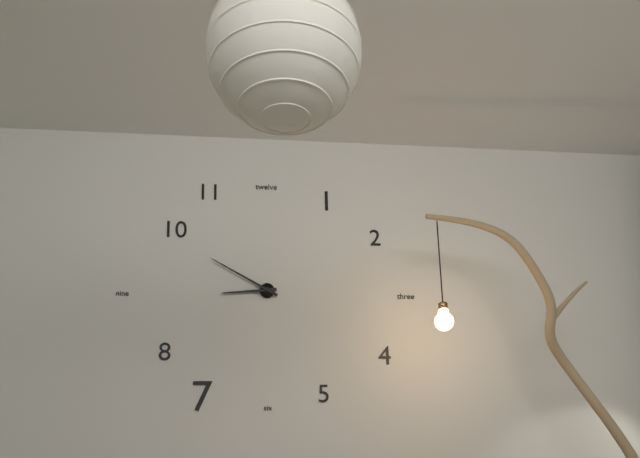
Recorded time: 8.50
